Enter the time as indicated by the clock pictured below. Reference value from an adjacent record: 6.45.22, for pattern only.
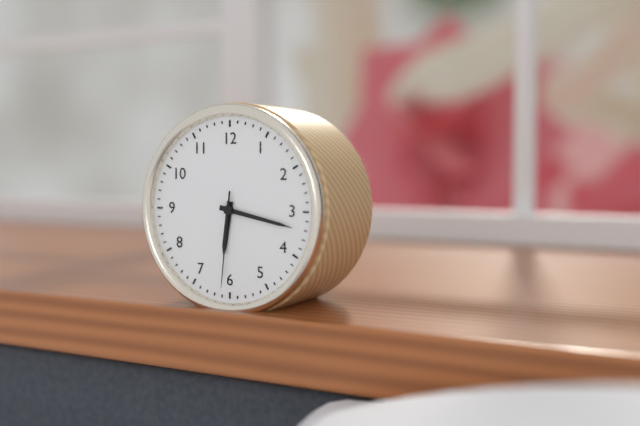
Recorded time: 6.17.31
